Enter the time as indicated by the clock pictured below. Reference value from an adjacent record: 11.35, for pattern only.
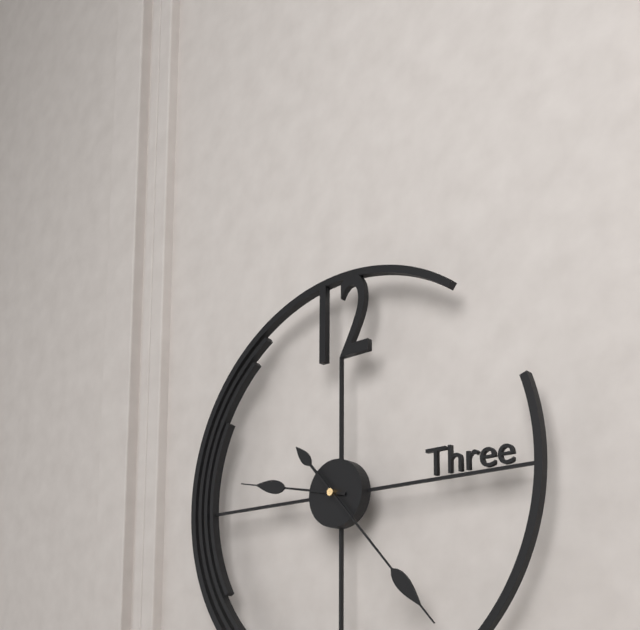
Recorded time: 9.23
